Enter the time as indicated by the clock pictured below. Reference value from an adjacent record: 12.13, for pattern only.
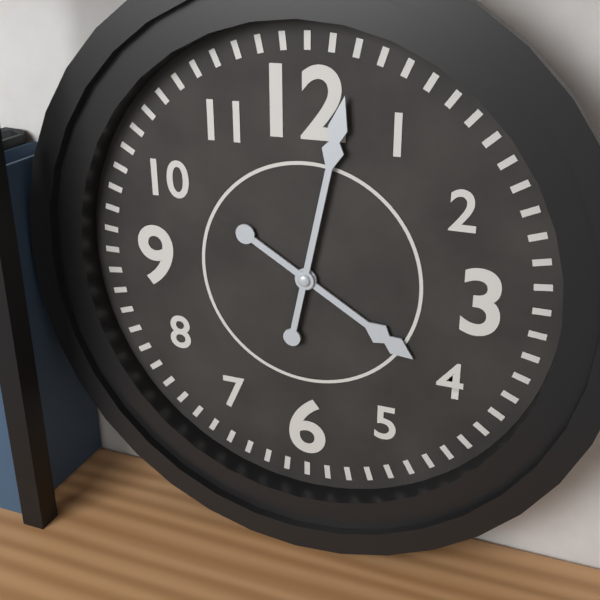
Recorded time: 4.02
